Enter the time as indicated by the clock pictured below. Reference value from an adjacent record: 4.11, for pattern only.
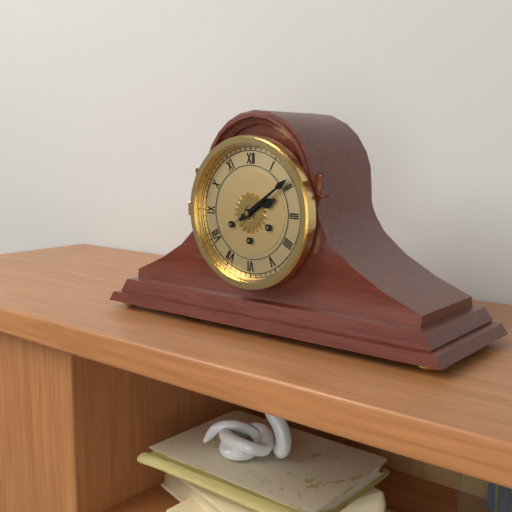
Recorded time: 2.09
